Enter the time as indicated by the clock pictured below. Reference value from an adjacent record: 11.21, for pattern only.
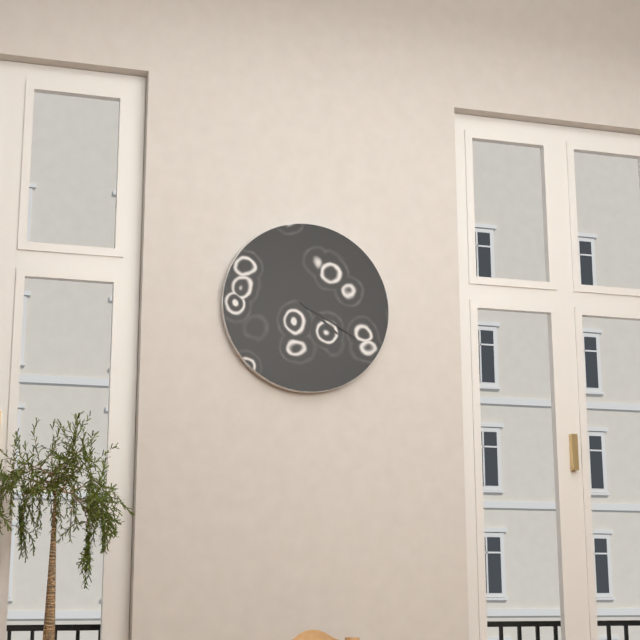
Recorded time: 4.20
